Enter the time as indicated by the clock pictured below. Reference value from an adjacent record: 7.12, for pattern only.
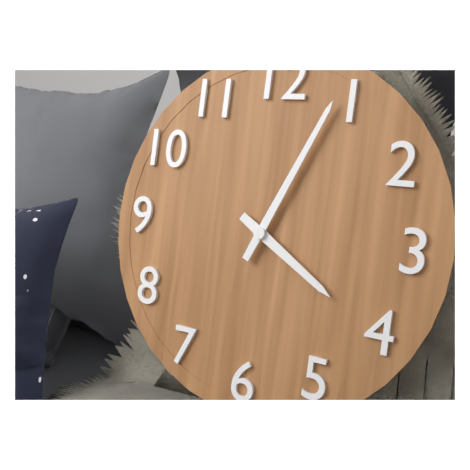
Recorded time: 4.04
